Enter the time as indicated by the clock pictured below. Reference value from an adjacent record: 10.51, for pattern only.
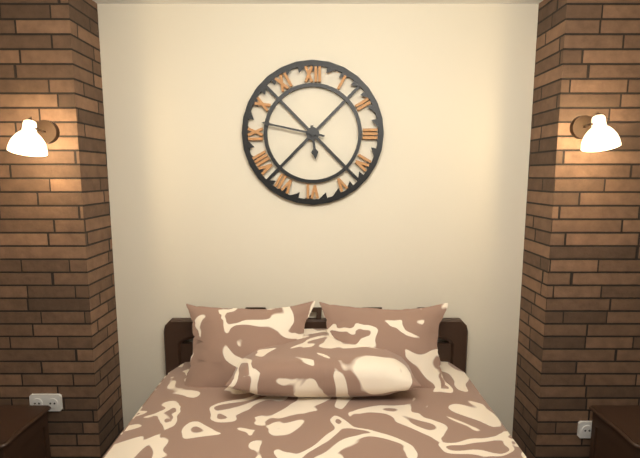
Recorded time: 5.47
